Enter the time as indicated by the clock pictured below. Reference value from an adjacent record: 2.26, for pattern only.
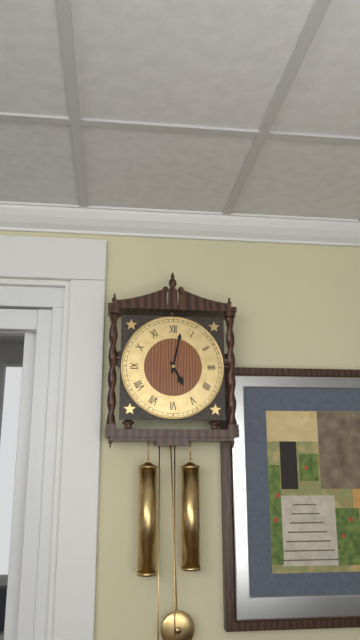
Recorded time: 5.02
